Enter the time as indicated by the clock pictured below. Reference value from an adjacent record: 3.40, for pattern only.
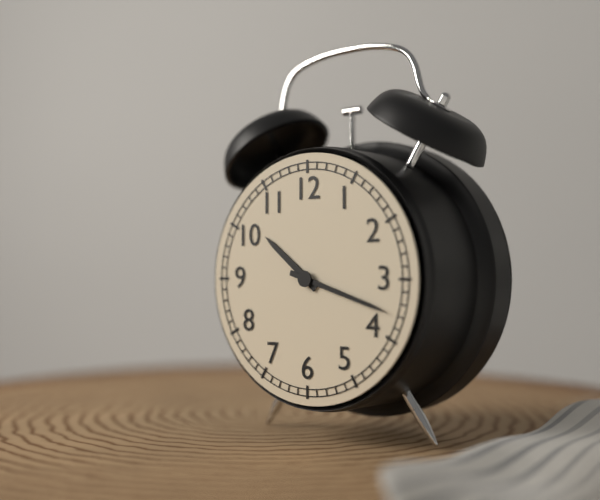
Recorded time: 10.18
